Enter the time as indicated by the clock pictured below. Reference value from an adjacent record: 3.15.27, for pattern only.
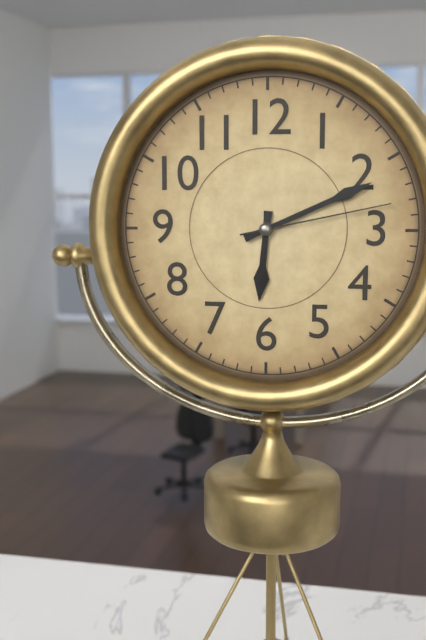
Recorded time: 6.11.13
